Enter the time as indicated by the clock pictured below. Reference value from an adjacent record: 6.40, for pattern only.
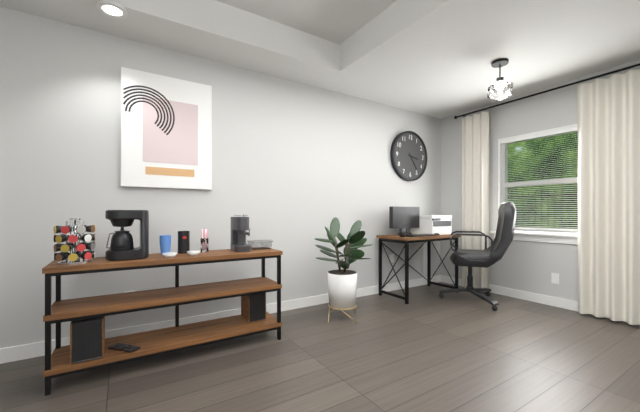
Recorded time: 3.24
